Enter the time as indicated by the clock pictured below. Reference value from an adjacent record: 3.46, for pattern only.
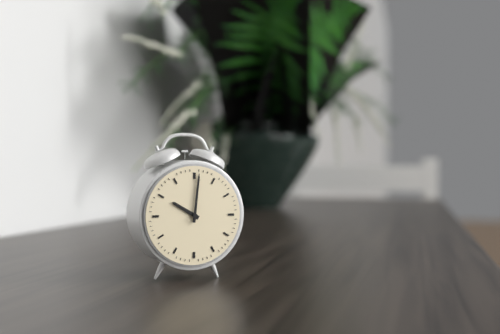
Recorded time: 10.01
